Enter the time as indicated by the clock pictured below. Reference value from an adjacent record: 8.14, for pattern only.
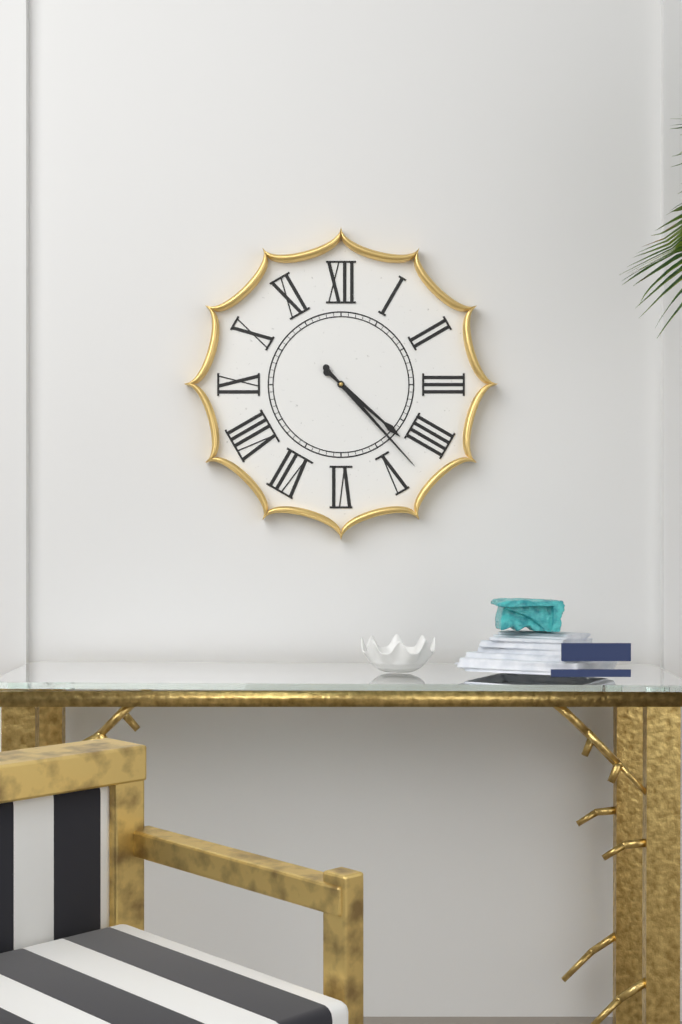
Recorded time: 4.23
